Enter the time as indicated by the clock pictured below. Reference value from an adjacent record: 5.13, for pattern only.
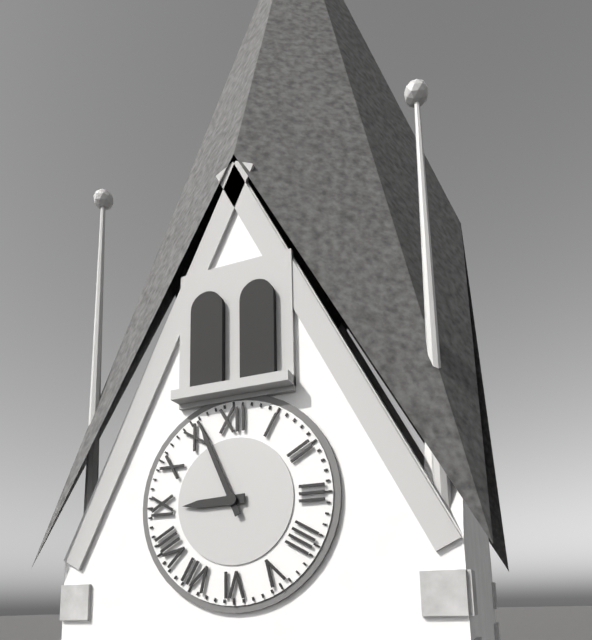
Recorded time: 8.56
